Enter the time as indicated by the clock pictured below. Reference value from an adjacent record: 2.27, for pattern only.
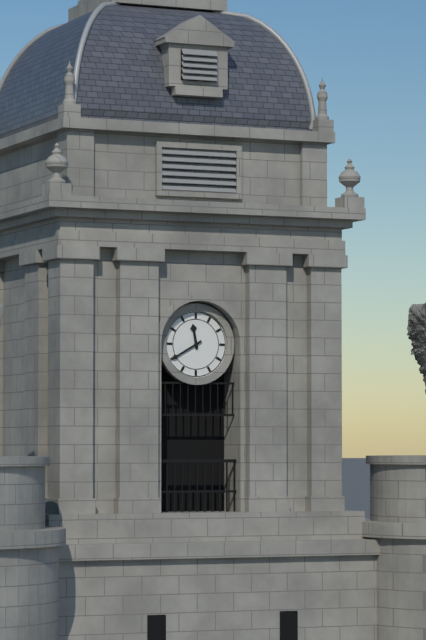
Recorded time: 11.40
